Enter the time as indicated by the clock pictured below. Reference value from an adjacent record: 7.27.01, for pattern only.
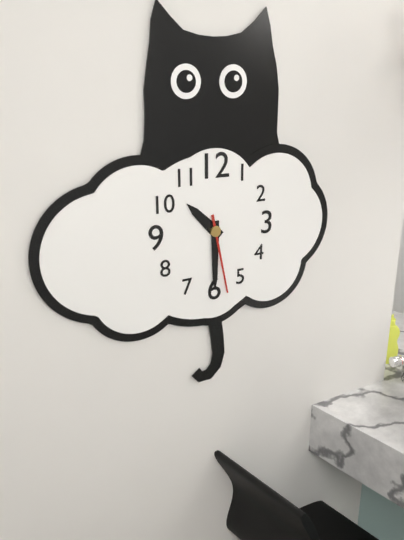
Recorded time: 10.30.28
